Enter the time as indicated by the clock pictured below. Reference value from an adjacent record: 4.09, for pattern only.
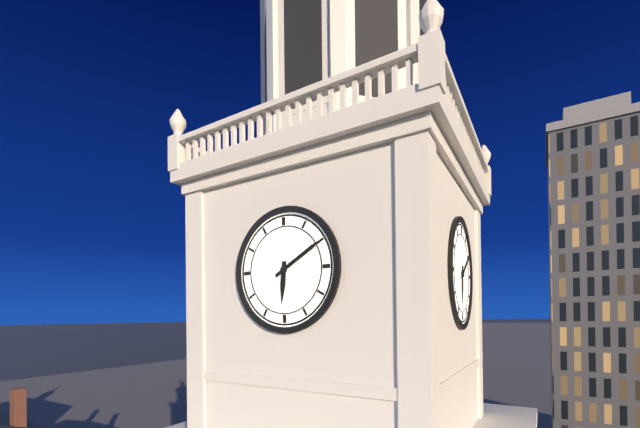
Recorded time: 6.10
